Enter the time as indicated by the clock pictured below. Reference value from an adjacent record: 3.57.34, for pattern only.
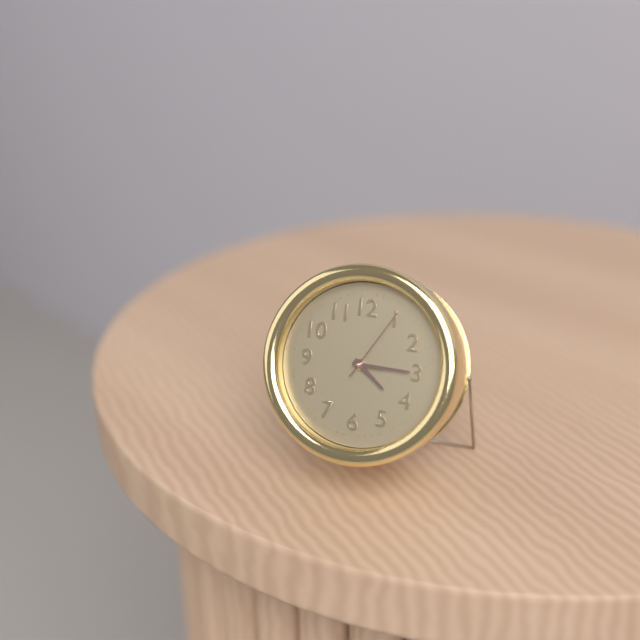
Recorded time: 4.15.05
